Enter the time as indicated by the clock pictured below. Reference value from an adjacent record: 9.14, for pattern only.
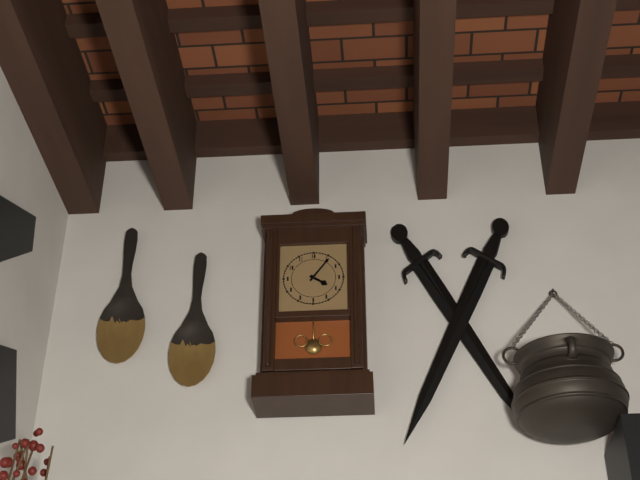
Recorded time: 4.06
